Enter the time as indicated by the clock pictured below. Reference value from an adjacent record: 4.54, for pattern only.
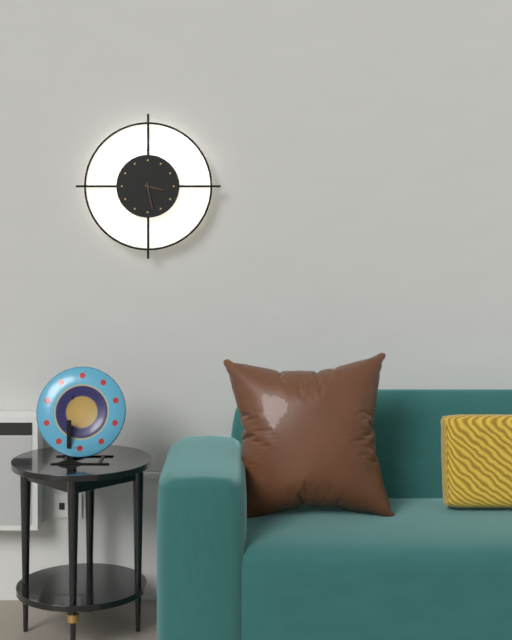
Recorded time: 3.28
